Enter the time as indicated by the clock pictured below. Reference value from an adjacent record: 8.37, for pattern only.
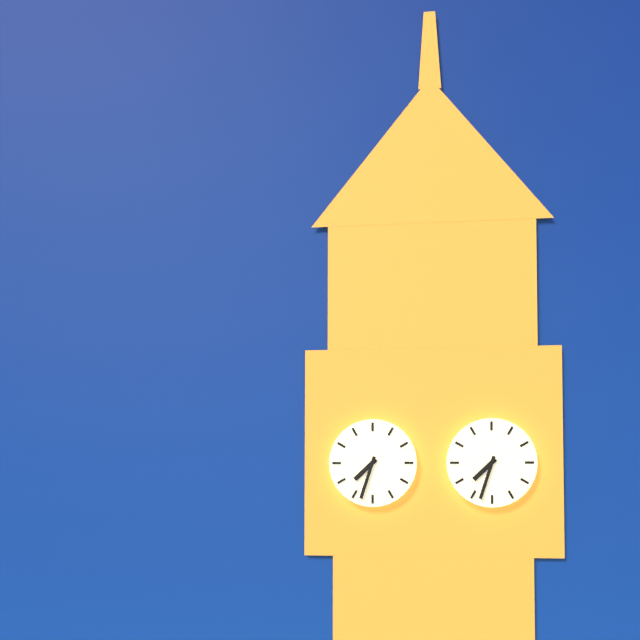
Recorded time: 7.33
